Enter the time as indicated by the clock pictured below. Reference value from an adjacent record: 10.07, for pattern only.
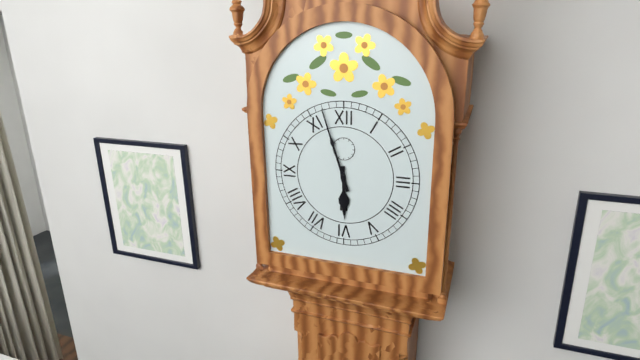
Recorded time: 5.57
